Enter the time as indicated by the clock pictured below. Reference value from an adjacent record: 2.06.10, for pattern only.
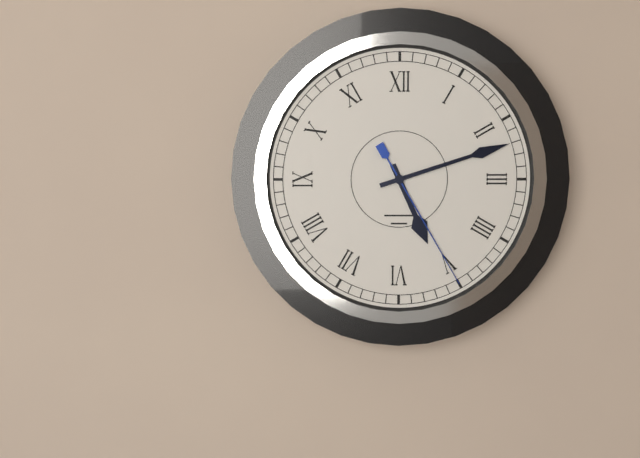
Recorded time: 5.12.25
